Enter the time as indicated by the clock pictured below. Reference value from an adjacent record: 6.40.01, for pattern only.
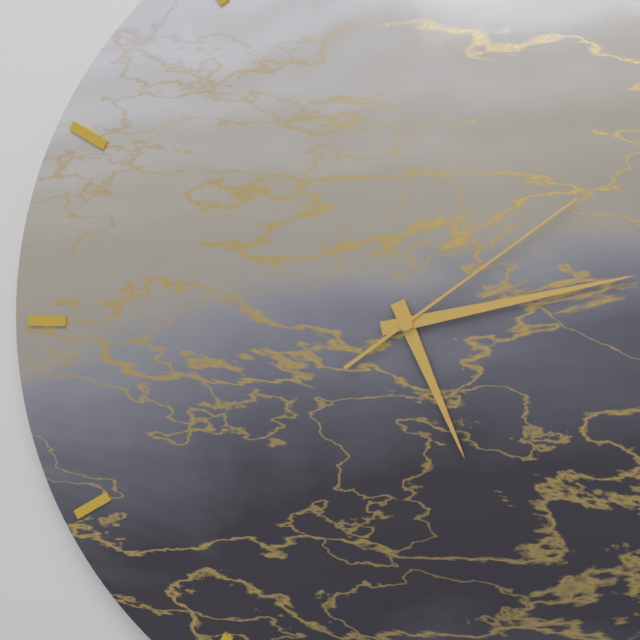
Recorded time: 5.13.09
